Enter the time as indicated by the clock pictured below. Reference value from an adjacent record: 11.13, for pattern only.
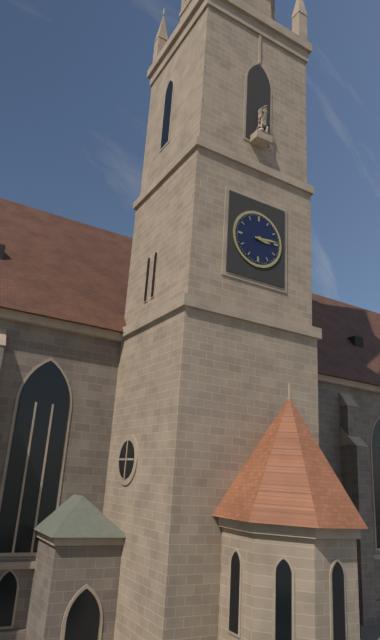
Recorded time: 3.14
